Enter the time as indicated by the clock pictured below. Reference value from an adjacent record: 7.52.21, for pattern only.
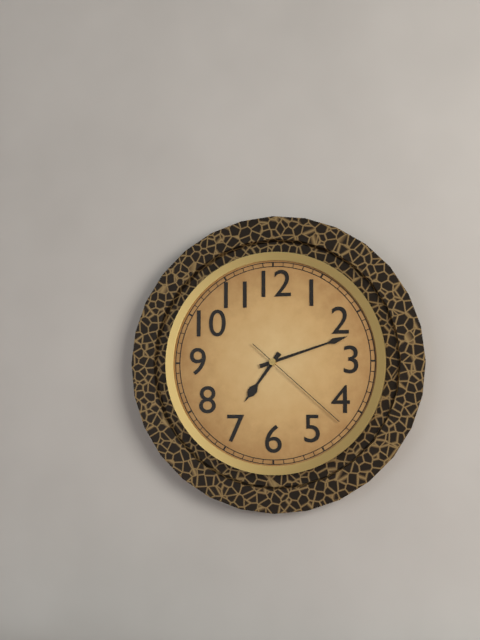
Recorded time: 7.12.22
